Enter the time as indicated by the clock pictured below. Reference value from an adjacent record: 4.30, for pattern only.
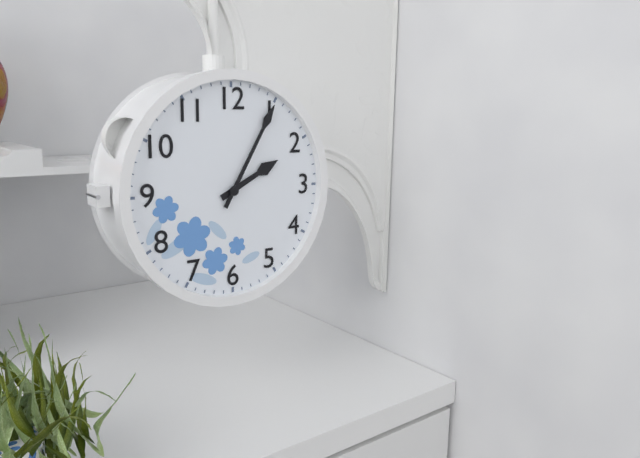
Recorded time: 2.05
